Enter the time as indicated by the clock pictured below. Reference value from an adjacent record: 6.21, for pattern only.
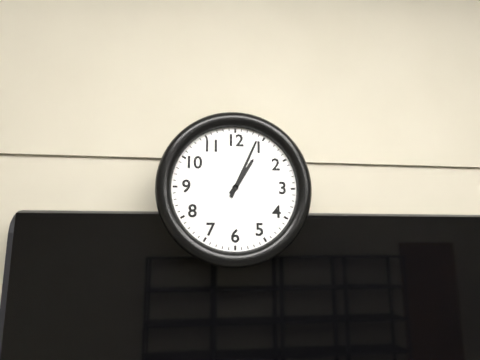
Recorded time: 1.04
